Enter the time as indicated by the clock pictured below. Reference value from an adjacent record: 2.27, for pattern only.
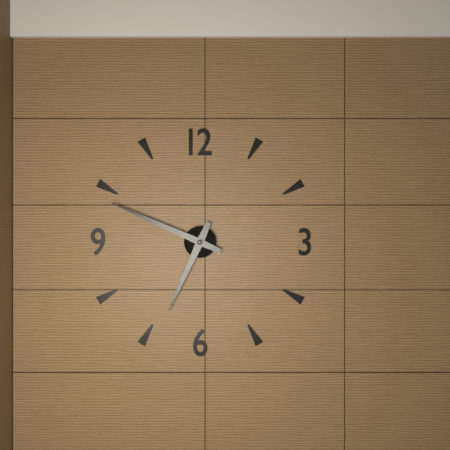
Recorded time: 6.49
